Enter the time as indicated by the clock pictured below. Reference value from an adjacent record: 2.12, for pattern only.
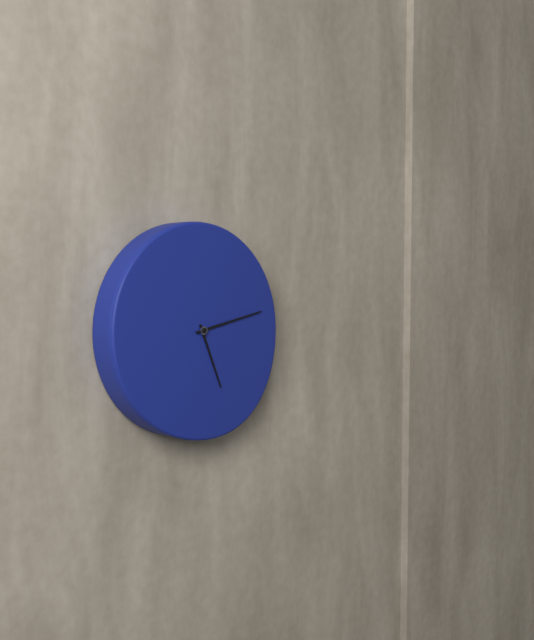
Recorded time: 5.13
